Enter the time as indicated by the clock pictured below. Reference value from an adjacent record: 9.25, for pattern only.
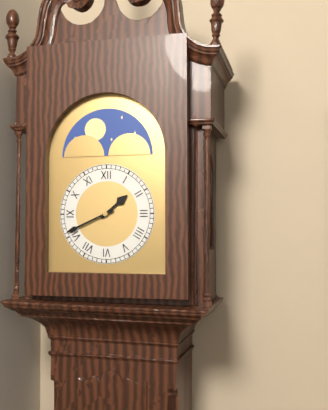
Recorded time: 1.41
